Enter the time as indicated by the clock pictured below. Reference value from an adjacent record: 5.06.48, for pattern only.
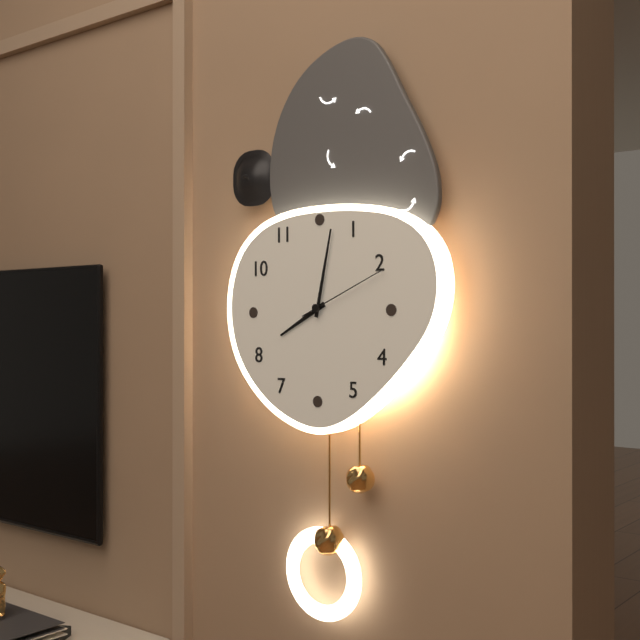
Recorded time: 8.02.11
